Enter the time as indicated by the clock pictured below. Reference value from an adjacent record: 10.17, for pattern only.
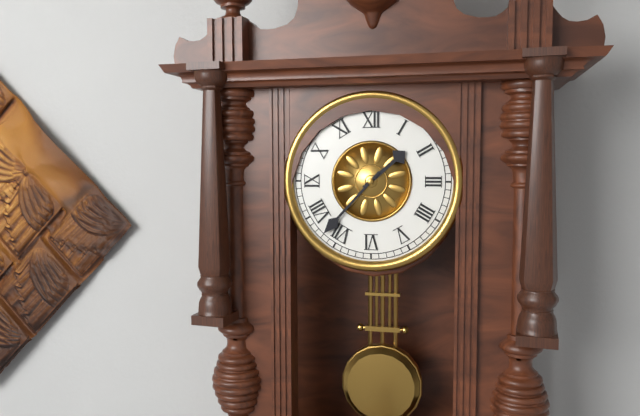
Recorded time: 1.37
